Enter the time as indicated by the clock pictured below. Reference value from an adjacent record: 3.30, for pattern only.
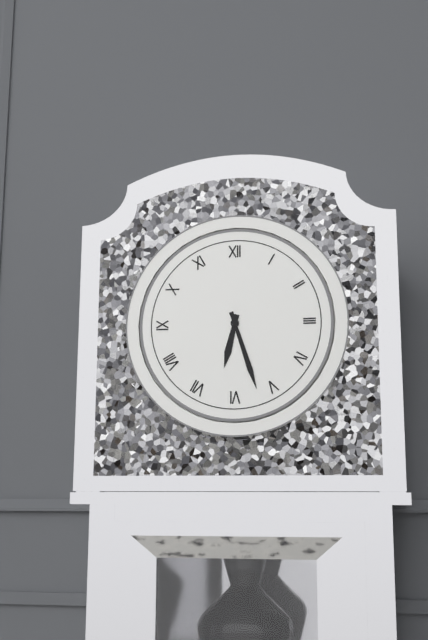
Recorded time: 6.27
